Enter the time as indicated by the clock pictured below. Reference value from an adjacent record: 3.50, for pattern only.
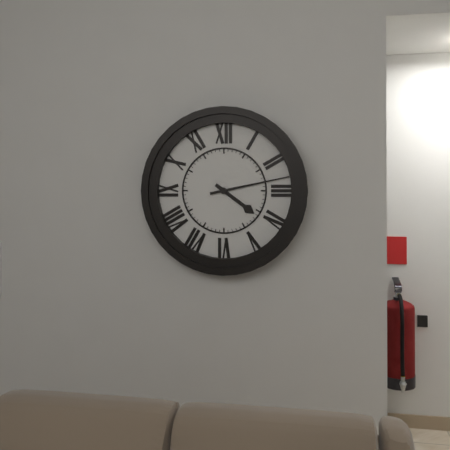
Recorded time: 4.13
